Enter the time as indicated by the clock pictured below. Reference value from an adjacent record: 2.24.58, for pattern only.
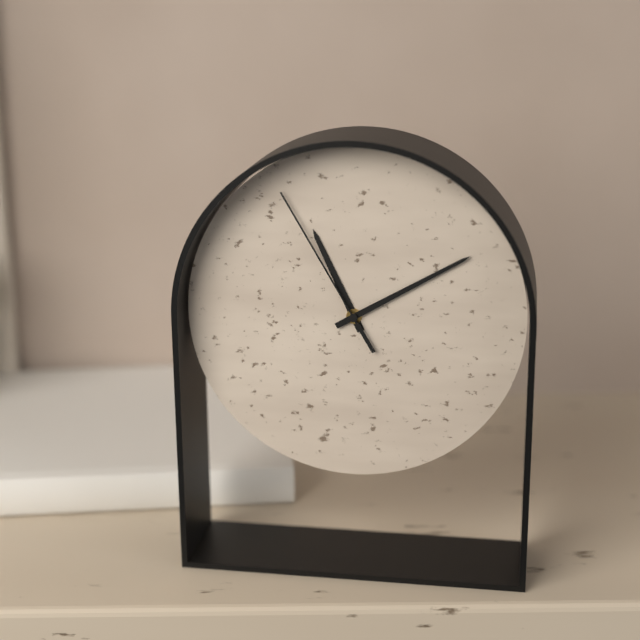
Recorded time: 11.10.55
